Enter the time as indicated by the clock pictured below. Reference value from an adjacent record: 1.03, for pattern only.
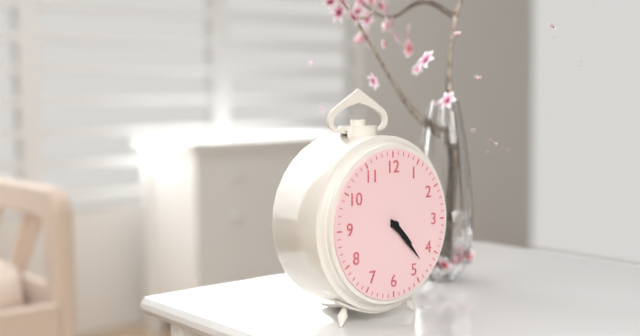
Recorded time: 4.23
